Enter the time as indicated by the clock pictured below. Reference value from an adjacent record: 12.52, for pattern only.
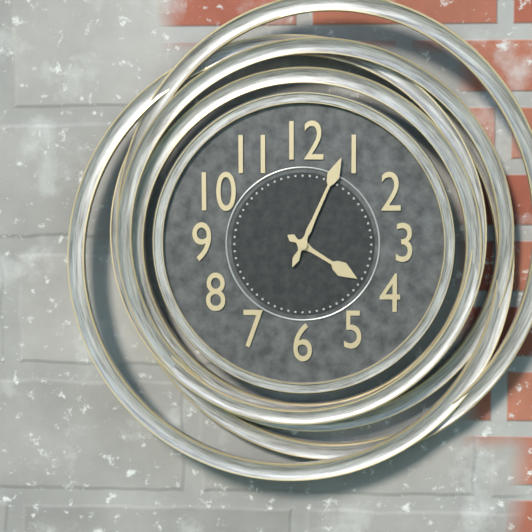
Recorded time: 4.04
